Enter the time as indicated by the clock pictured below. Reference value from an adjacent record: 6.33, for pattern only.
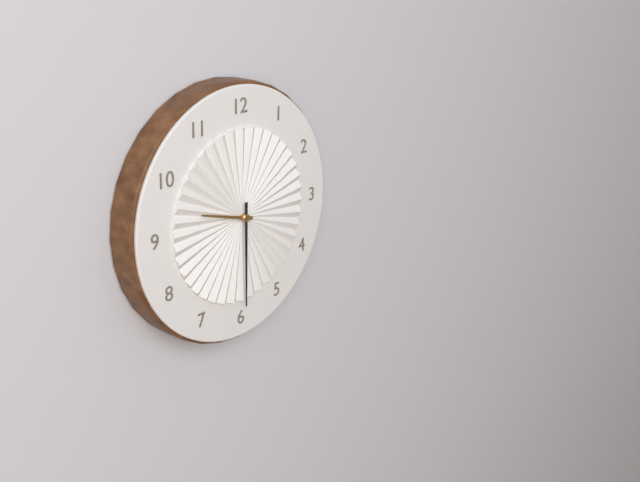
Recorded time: 9.30
